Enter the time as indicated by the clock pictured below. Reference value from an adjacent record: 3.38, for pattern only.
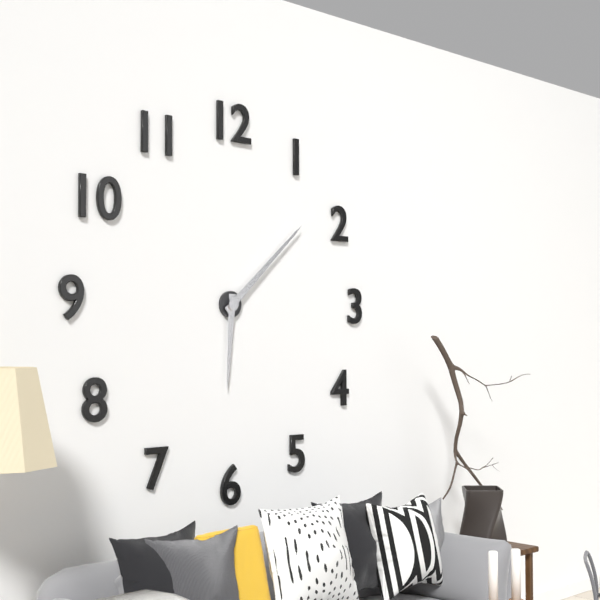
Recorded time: 6.08
